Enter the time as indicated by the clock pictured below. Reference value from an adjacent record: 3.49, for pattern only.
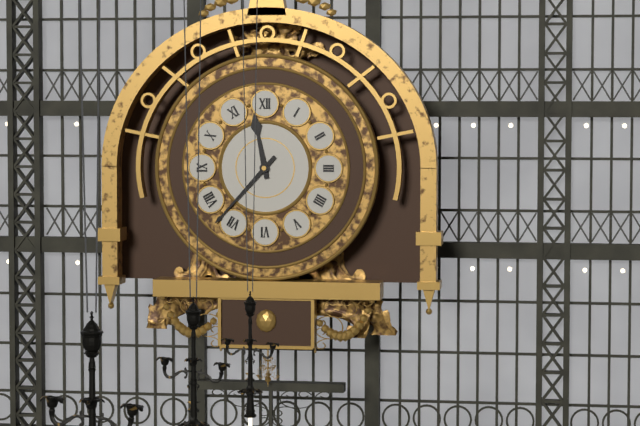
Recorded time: 11.37
